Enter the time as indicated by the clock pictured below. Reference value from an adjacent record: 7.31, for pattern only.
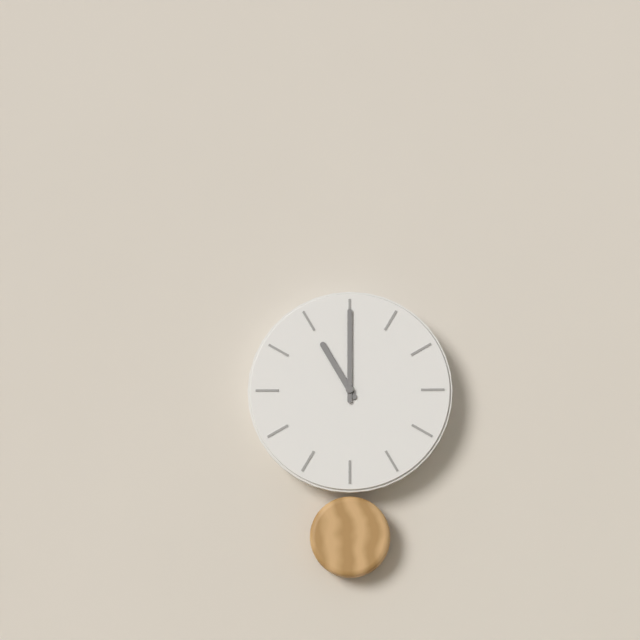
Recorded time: 11.00
